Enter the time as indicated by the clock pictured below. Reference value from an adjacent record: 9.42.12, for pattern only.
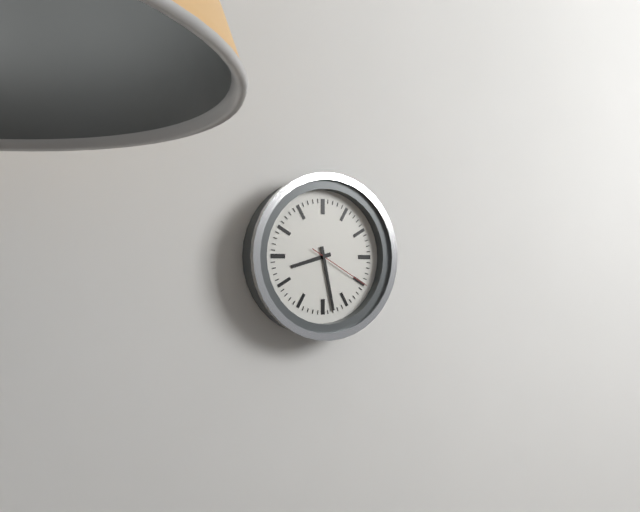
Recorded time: 8.28.20
